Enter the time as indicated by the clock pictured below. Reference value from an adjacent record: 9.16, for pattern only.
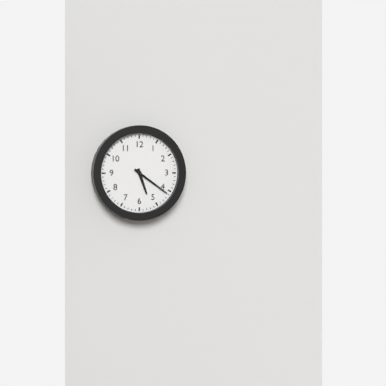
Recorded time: 5.21
